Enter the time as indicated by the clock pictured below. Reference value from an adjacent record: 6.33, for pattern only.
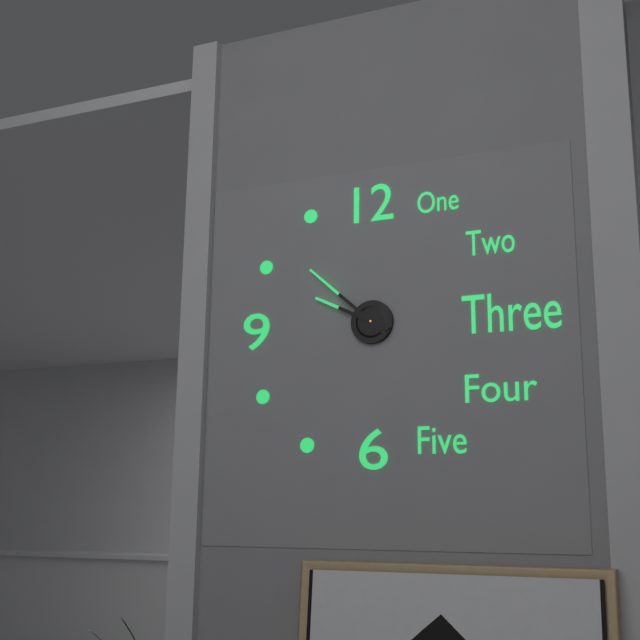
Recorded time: 9.52
